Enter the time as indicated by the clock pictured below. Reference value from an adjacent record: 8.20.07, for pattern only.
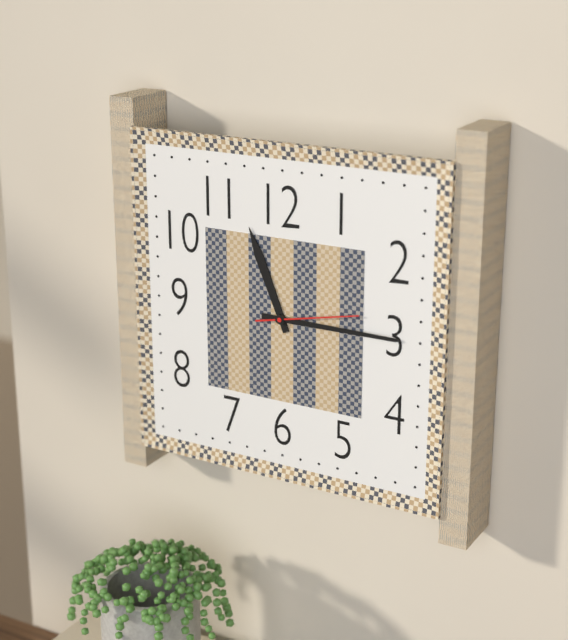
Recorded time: 11.15.13
